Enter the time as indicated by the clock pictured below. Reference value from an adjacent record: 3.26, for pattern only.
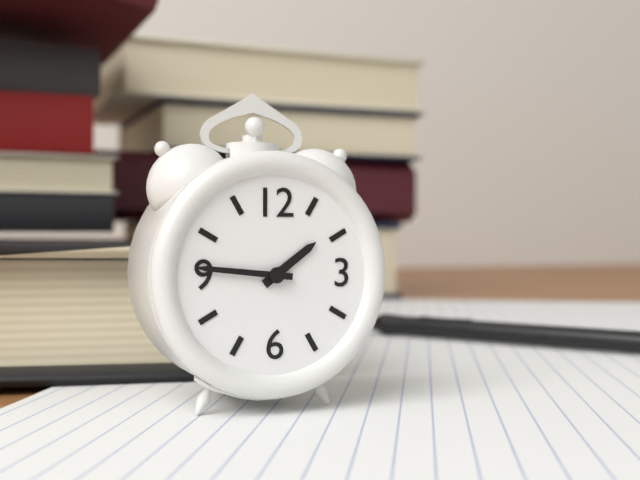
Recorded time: 1.46
